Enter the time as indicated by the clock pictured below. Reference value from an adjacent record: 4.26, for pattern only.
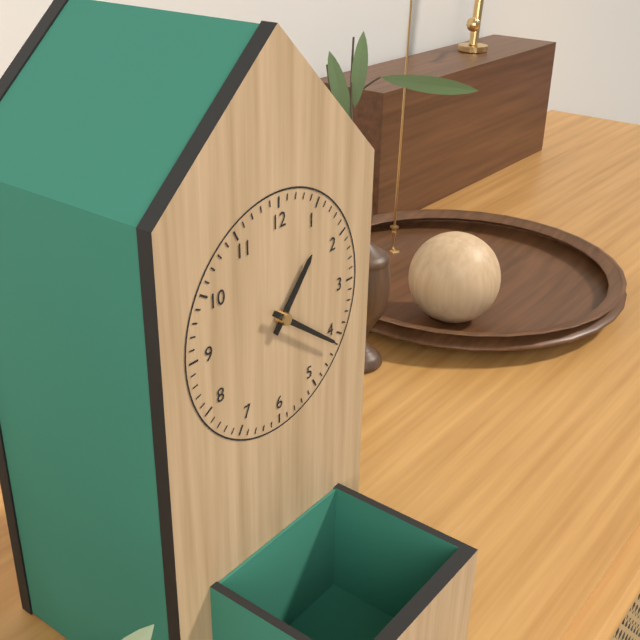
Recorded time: 1.21
